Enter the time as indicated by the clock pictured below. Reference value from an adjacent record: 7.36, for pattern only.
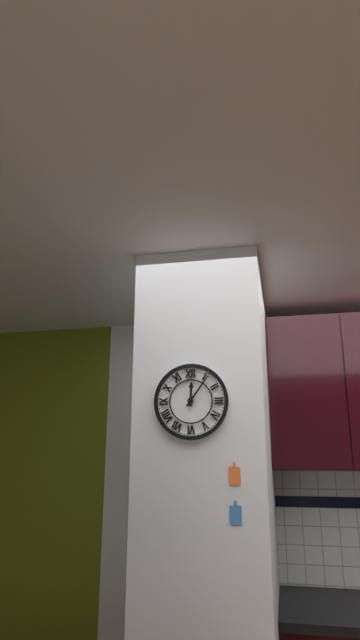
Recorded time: 12.06
